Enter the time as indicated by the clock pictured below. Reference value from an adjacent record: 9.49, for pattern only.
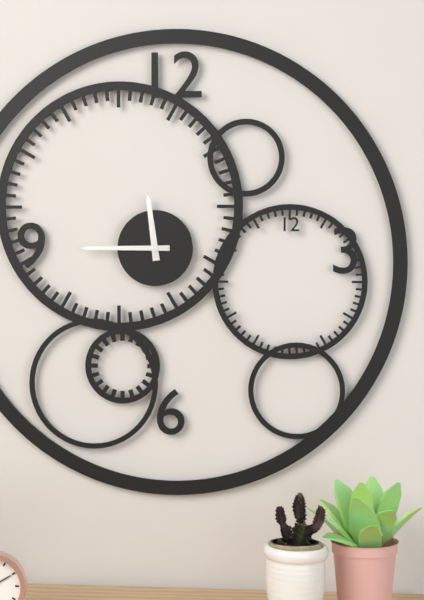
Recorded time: 11.45
